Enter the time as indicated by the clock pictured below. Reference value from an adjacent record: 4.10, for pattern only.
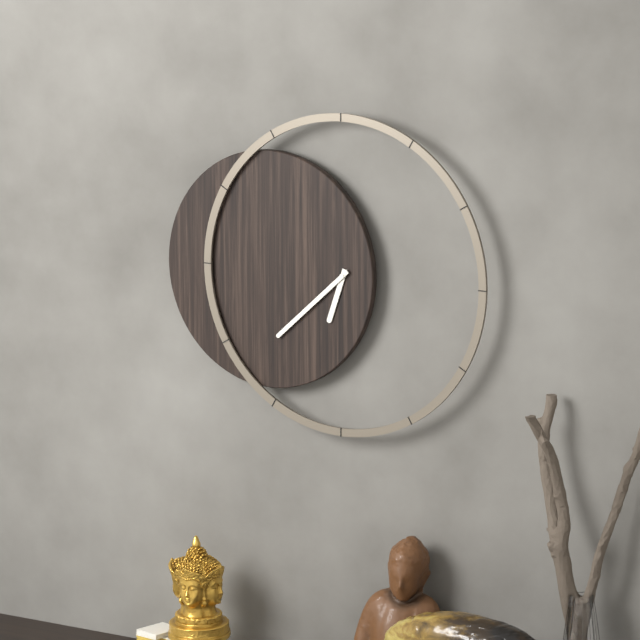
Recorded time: 6.38
